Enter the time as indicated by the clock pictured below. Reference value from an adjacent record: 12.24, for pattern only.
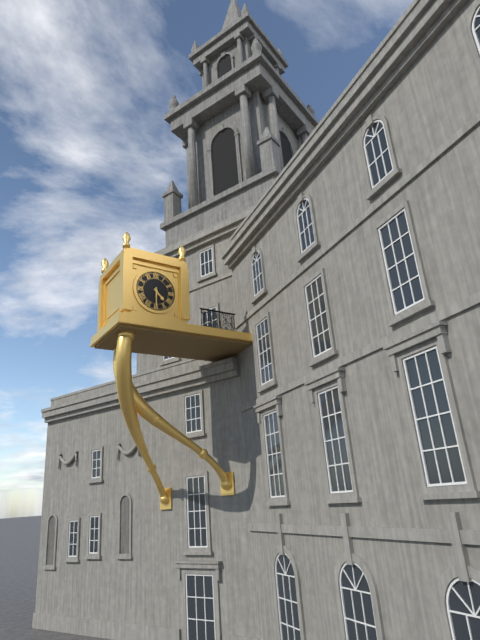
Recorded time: 4.30
